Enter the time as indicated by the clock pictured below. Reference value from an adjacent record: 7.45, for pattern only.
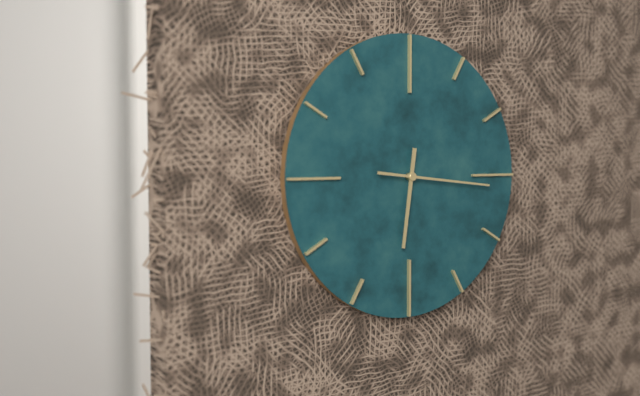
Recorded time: 6.16
